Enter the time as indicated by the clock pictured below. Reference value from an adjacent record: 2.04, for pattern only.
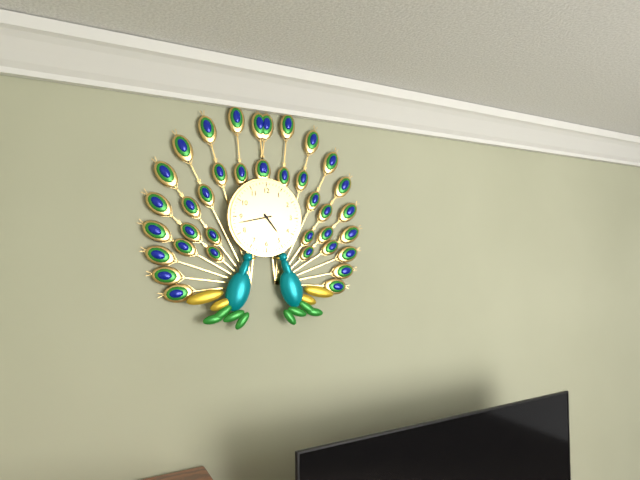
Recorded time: 4.43
